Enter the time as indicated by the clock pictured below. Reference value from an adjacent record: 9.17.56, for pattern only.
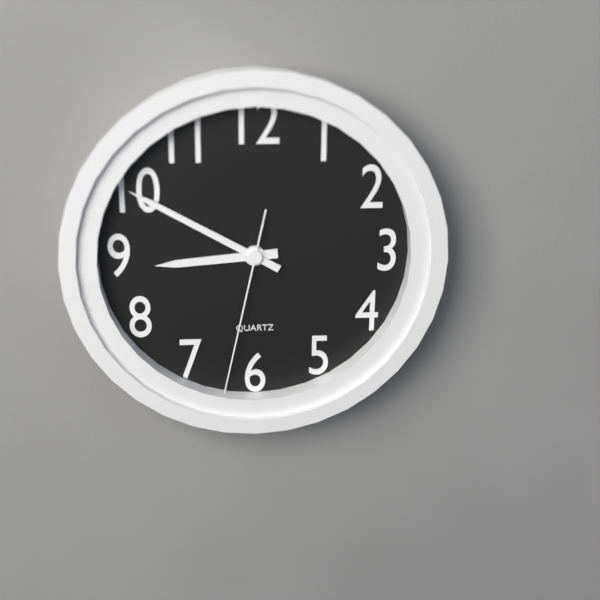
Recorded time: 8.50.32
